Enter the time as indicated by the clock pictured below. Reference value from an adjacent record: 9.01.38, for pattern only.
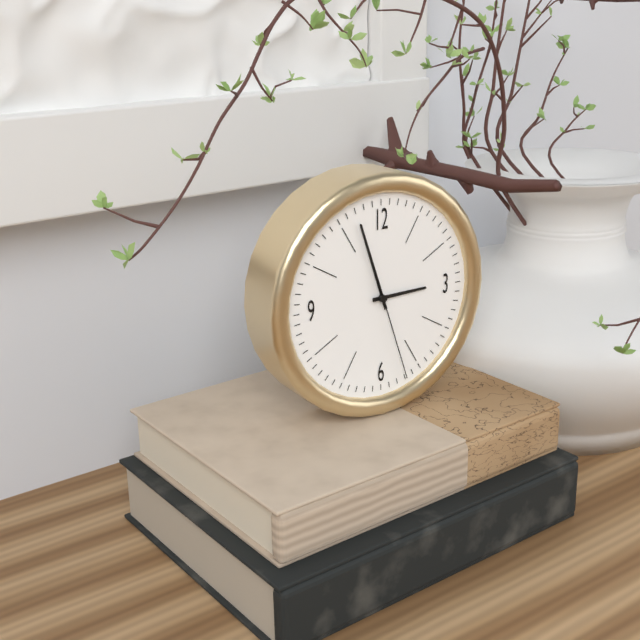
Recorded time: 2.57.27
